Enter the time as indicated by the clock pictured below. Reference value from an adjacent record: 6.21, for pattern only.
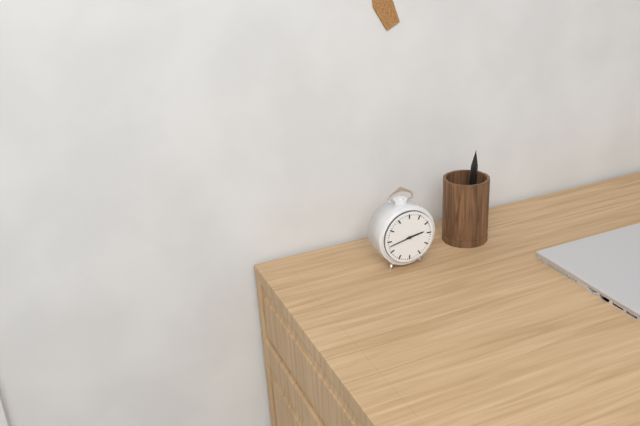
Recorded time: 2.43
